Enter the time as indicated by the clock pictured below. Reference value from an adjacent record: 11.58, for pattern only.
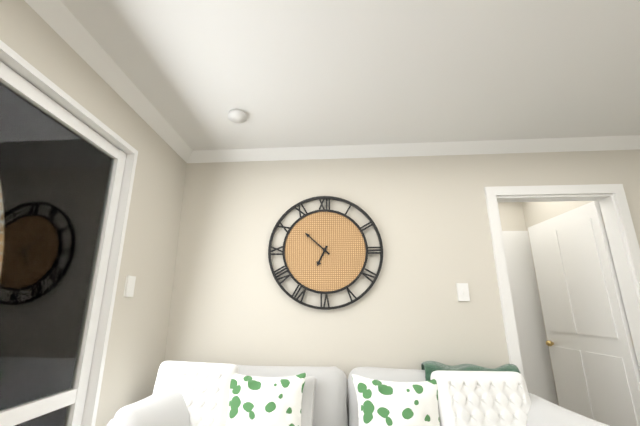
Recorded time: 6.52
